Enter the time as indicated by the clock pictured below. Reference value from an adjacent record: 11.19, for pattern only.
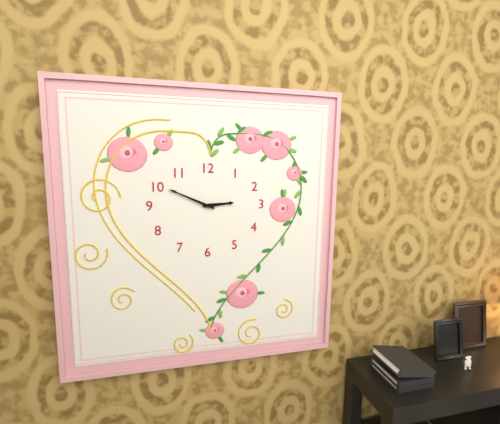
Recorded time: 2.49
